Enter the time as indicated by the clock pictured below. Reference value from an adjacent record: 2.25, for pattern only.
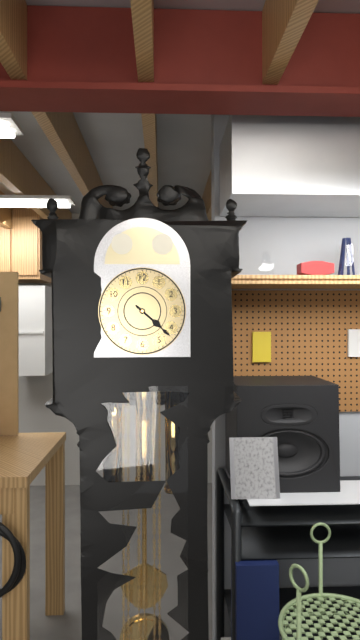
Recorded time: 4.22
